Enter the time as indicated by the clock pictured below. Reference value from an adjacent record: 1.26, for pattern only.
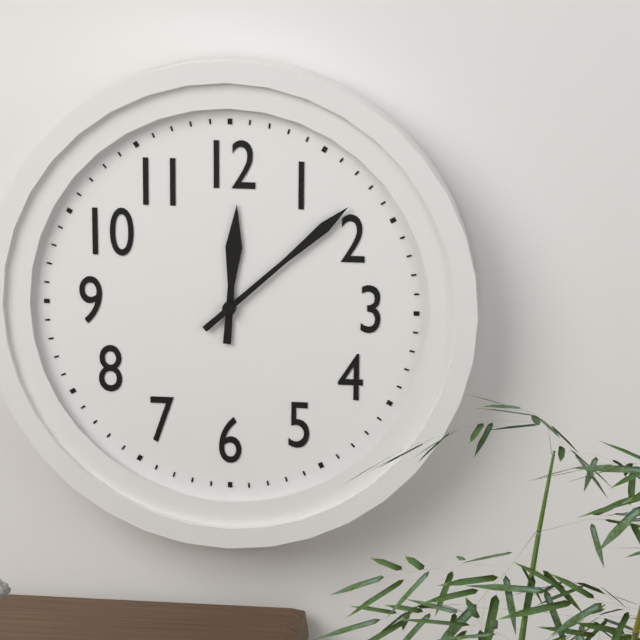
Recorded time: 12.08
